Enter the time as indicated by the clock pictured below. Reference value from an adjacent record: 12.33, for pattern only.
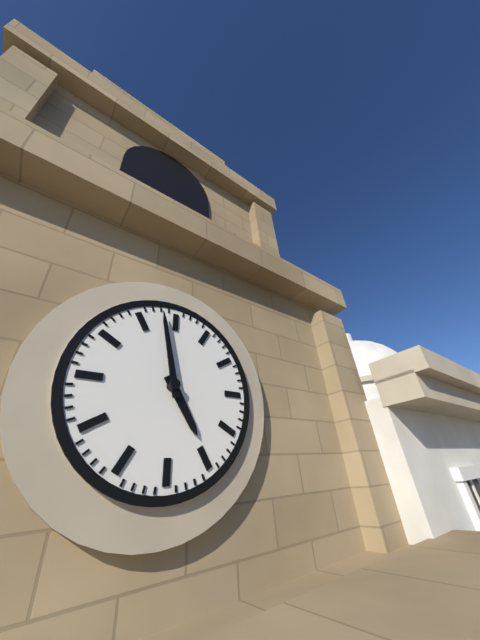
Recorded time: 4.58
